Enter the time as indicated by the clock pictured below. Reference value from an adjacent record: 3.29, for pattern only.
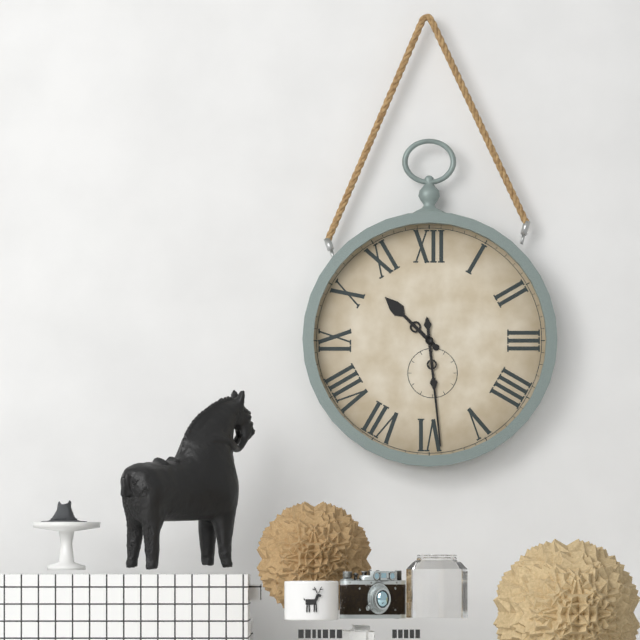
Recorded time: 10.29
